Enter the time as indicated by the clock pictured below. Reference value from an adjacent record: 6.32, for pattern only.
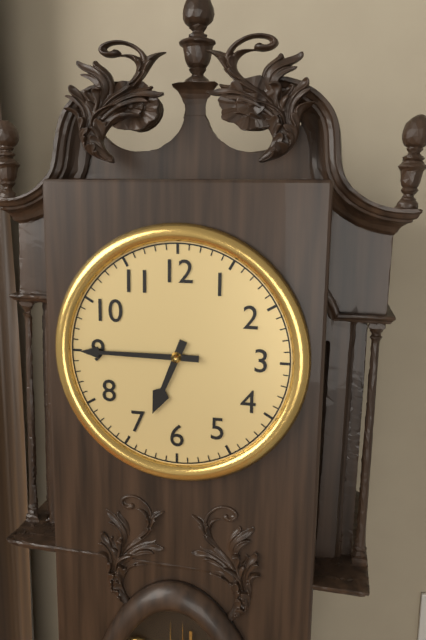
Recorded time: 6.45
